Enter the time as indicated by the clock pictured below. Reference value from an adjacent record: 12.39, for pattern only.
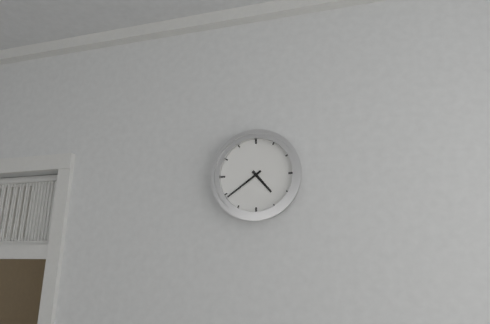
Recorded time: 4.39
